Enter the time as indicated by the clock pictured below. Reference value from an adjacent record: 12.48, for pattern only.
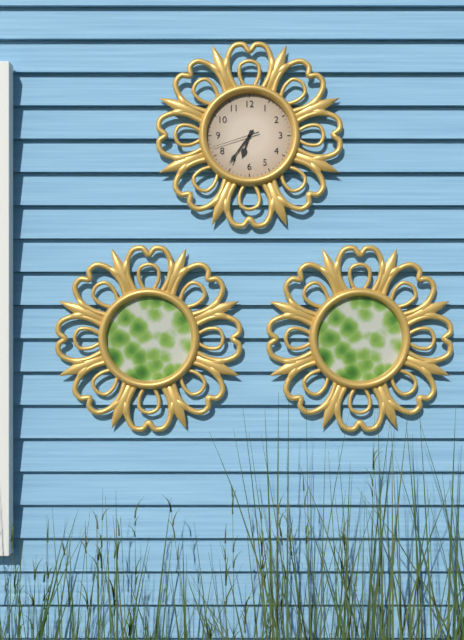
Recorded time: 6.36
